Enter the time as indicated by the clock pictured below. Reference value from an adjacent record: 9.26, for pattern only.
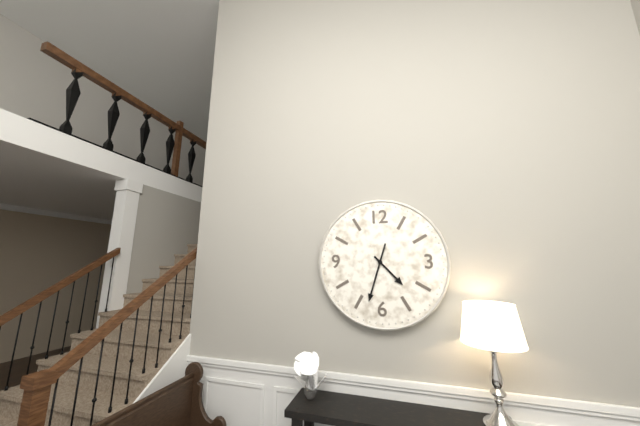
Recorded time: 4.33
